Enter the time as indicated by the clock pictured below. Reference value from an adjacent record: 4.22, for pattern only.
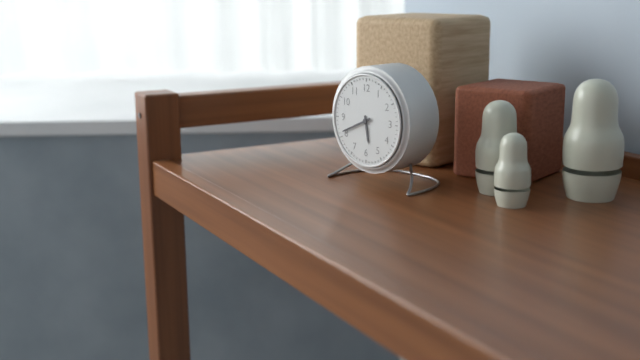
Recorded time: 5.41
